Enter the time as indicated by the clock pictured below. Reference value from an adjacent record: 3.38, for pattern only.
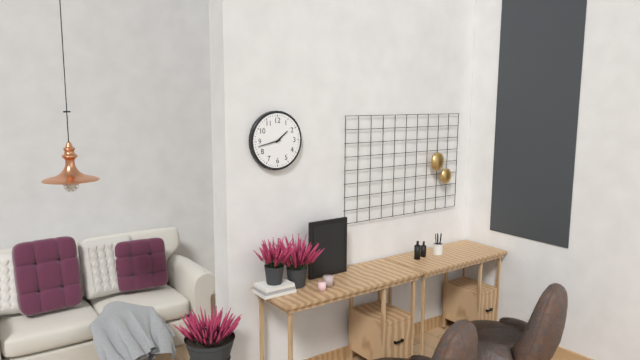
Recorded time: 1.43
